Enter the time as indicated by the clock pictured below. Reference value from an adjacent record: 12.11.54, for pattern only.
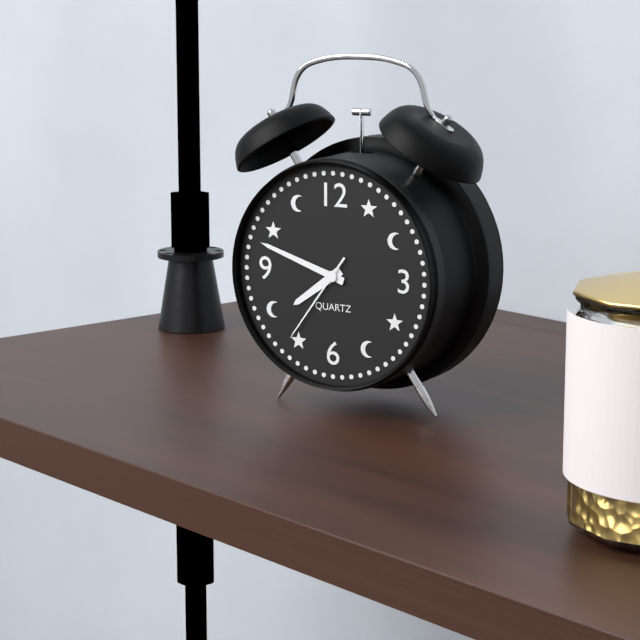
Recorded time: 7.48.36
